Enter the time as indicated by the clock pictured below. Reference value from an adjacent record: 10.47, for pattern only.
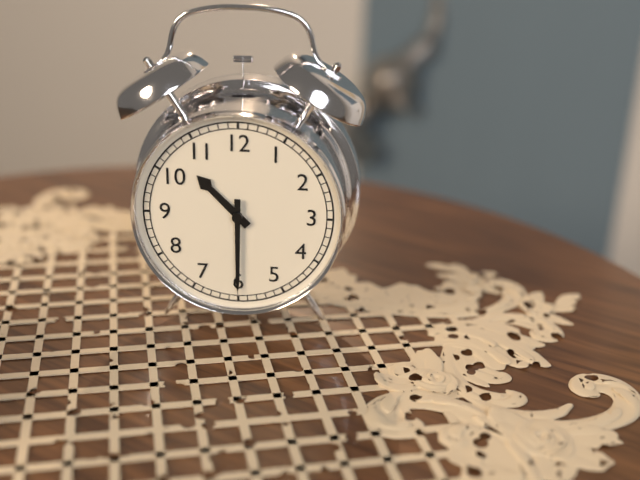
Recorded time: 10.30
